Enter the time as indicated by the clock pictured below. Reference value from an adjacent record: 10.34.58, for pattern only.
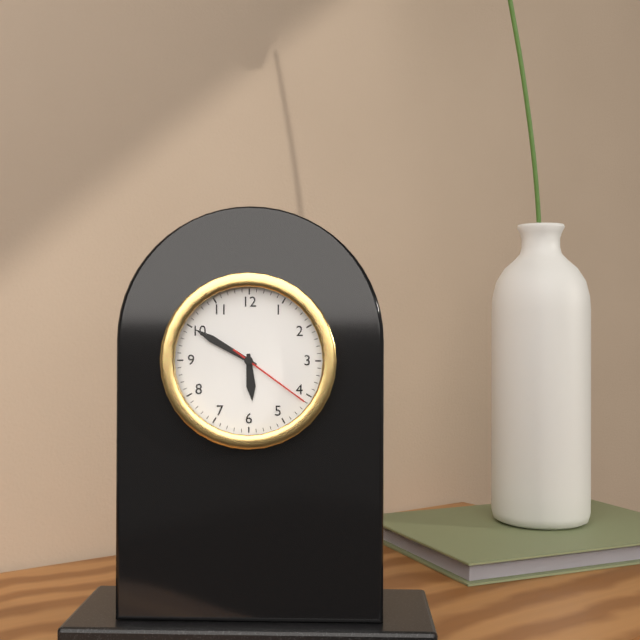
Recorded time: 5.50.21
